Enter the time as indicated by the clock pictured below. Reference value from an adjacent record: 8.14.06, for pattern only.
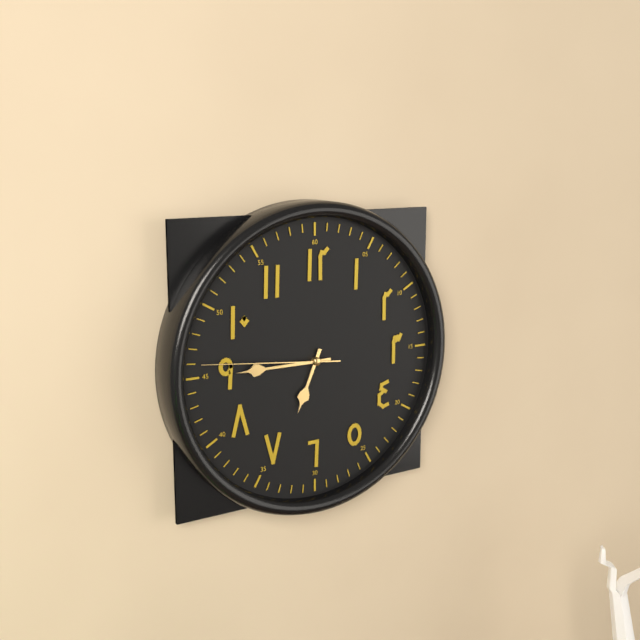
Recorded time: 6.45.46
